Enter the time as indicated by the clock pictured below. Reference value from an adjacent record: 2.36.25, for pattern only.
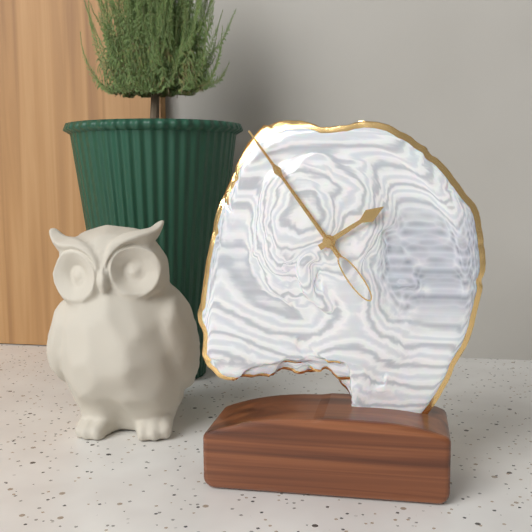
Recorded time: 1.54.54
